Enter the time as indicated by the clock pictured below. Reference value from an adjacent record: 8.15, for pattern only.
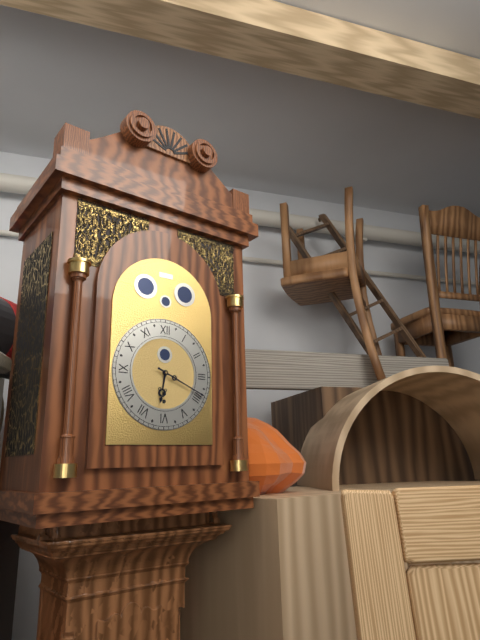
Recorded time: 6.19
